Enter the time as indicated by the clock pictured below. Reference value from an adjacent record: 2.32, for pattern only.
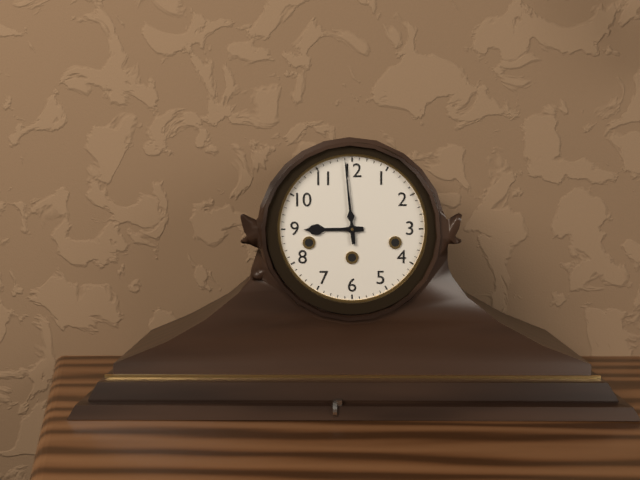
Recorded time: 8.59
